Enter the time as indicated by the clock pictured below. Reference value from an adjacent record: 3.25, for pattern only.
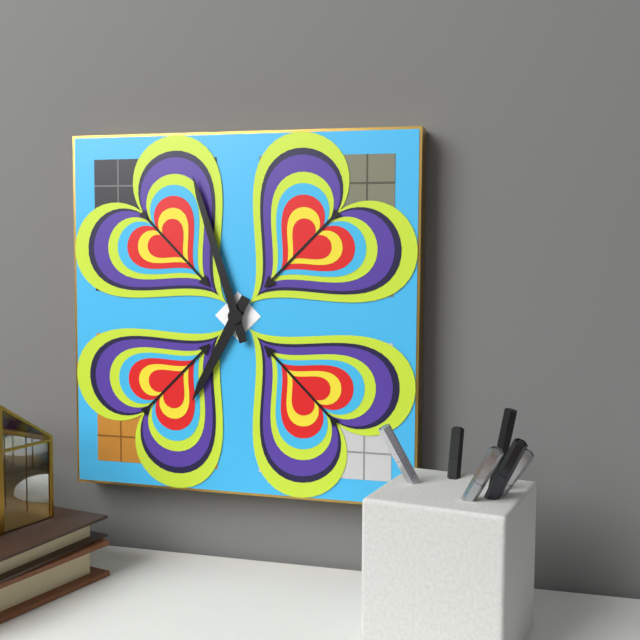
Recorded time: 6.57
